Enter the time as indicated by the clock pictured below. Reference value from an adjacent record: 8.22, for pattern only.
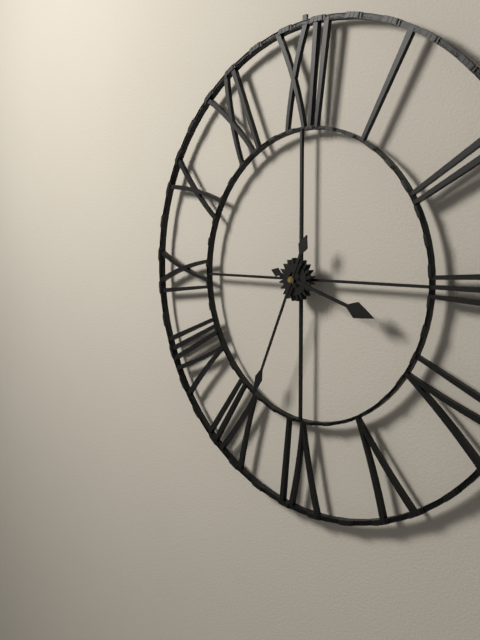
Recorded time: 3.34
